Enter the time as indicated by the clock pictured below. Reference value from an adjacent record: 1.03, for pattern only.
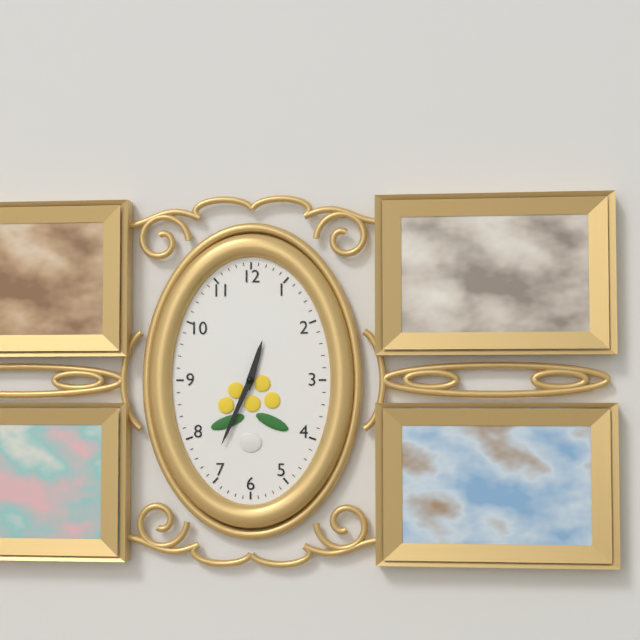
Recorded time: 12.34
